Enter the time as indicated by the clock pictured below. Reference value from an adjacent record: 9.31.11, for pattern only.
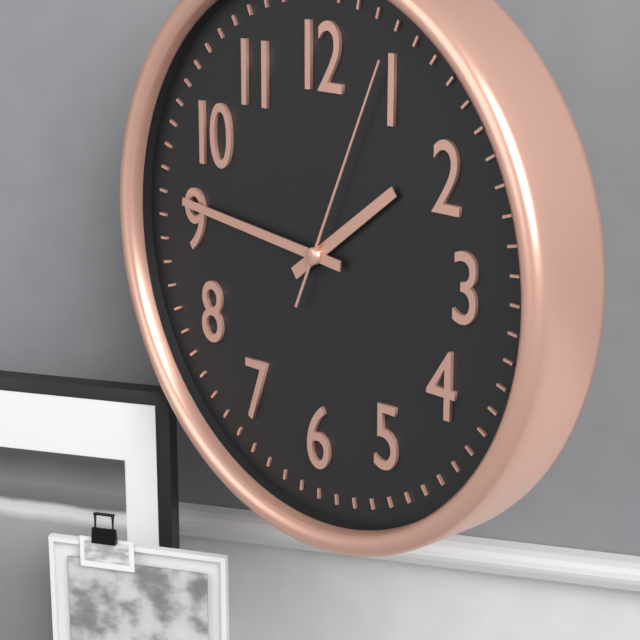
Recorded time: 1.46.04
